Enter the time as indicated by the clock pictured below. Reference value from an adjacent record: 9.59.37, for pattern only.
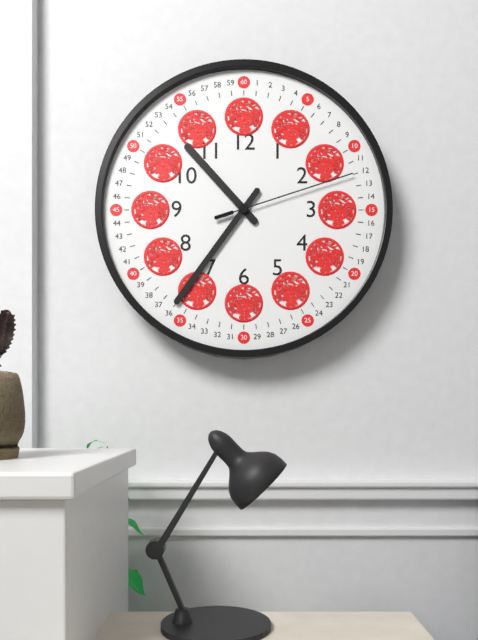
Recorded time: 10.36.12
